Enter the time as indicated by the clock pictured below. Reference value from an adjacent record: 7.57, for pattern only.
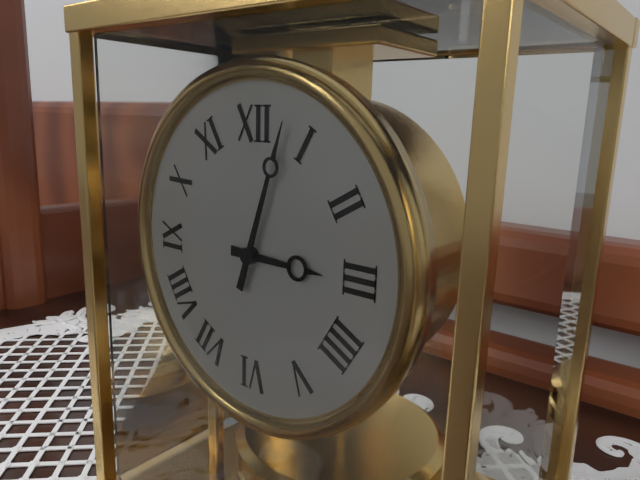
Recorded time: 3.03
